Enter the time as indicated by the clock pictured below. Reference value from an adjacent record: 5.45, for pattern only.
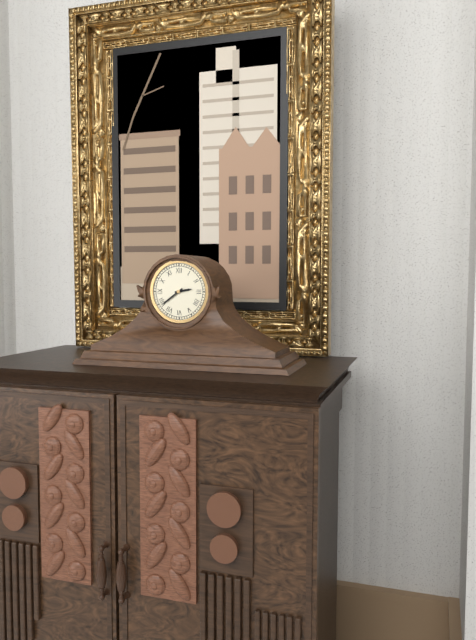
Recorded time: 2.39
